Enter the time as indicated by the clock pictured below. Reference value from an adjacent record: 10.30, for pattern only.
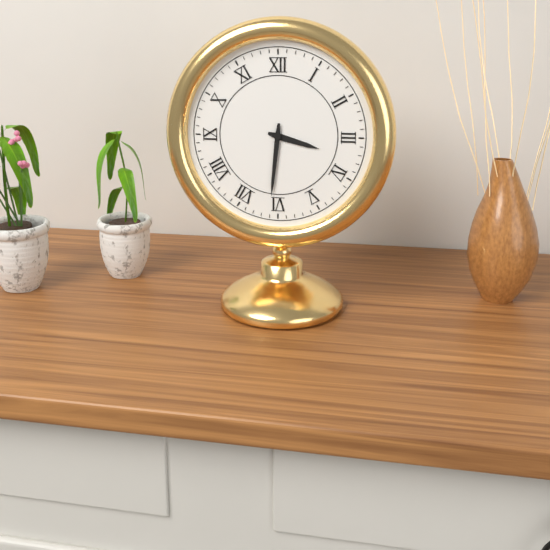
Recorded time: 3.31
